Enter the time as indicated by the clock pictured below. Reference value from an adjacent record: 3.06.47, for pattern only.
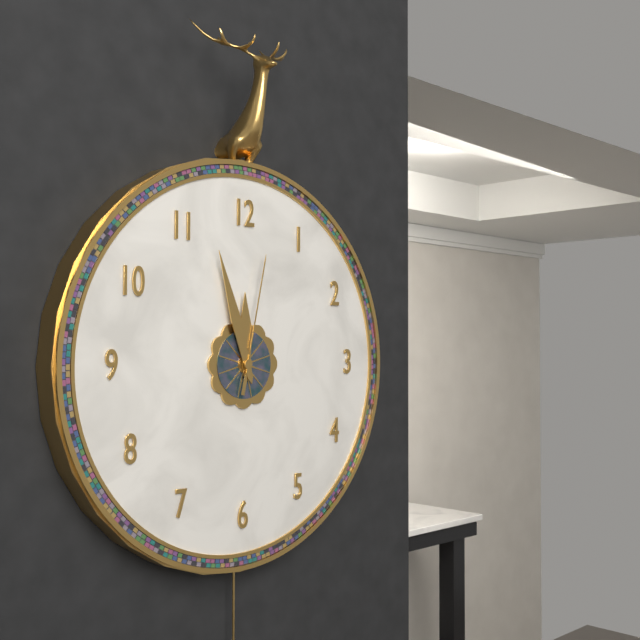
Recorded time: 11.57.02
